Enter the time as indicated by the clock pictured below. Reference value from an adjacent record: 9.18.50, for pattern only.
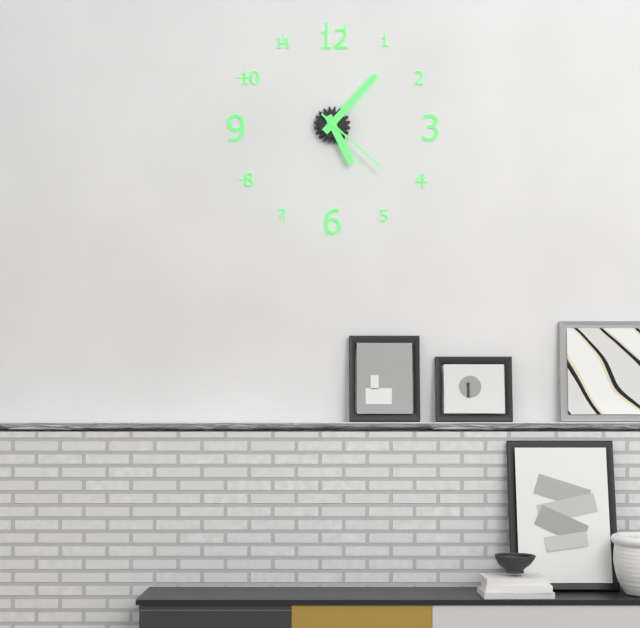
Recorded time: 5.07.22
